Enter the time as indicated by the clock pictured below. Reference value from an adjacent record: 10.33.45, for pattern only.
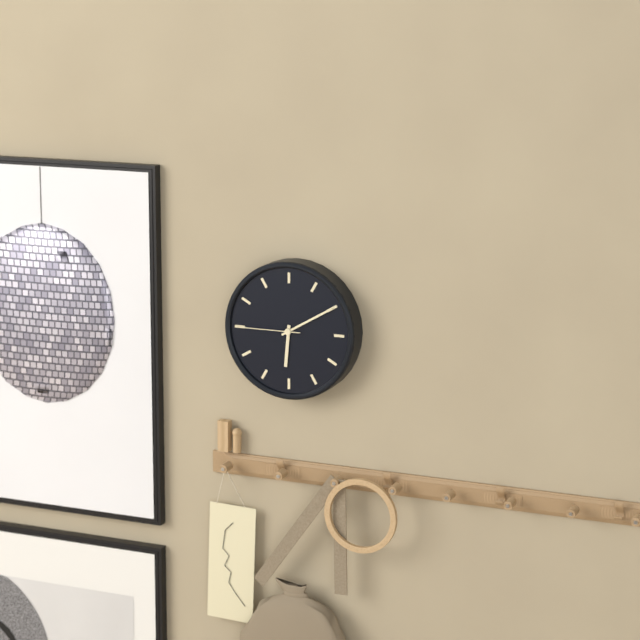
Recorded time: 6.10.45
